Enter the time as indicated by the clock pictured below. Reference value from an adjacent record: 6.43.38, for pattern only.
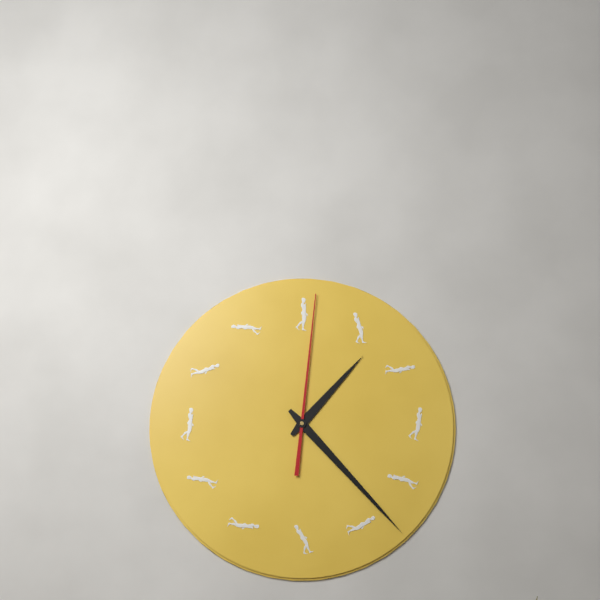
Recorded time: 1.23.01
